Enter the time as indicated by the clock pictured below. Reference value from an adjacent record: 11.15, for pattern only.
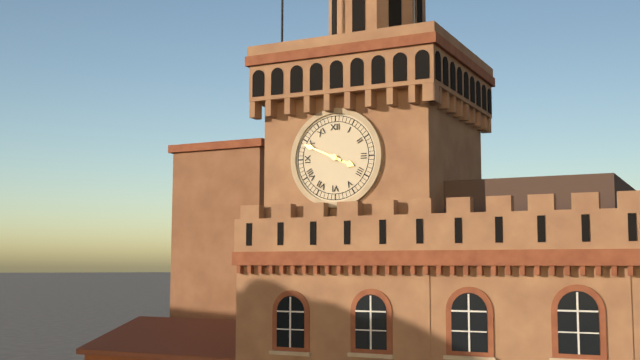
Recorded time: 3.49
